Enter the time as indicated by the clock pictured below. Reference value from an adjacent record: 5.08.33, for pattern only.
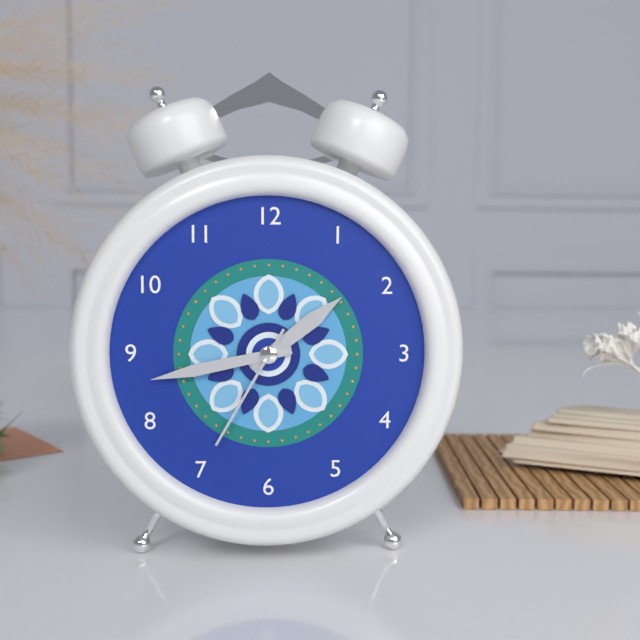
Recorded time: 1.43.35
